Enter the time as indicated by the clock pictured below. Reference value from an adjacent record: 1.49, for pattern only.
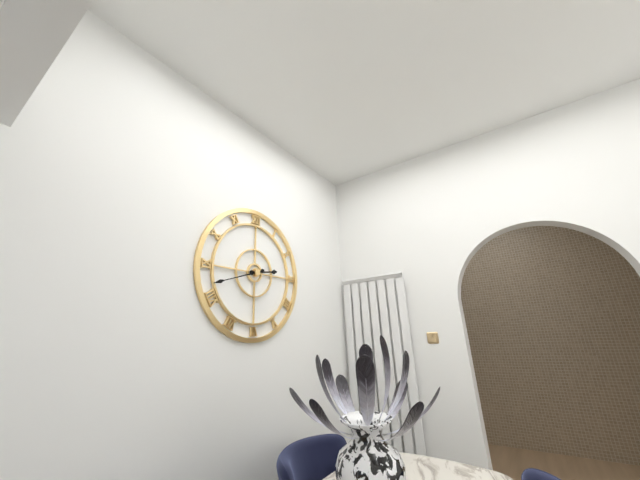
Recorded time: 2.42
